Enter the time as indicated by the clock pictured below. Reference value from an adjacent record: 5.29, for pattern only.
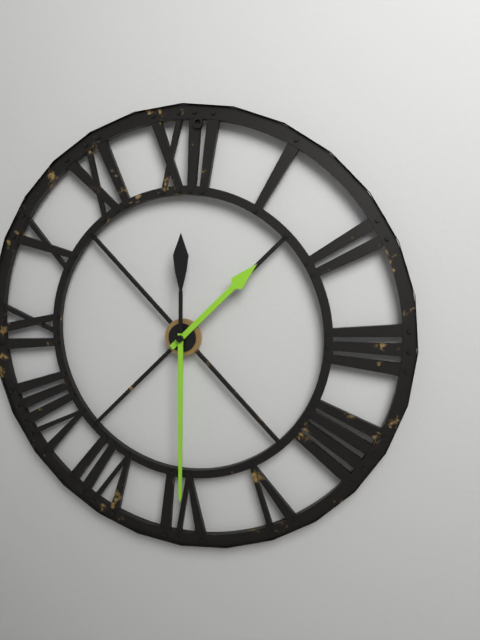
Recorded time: 1.30
